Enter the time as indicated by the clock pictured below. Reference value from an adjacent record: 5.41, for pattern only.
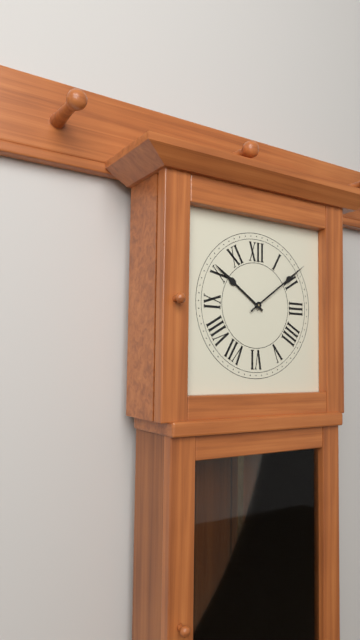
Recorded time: 10.09
